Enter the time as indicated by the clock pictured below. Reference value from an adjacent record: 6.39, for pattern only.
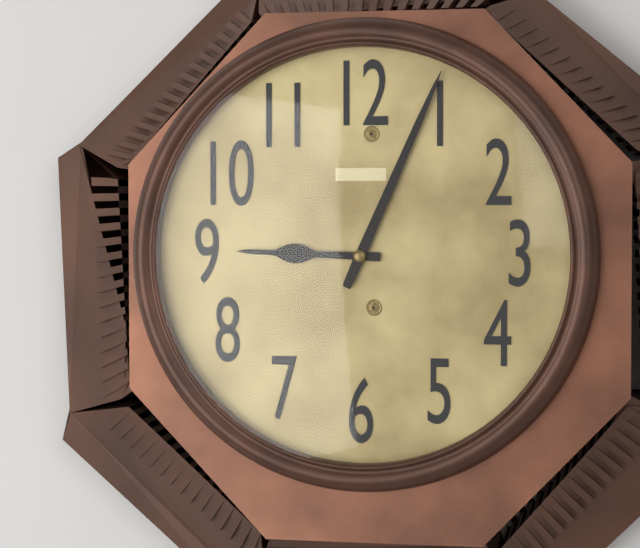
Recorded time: 9.04
